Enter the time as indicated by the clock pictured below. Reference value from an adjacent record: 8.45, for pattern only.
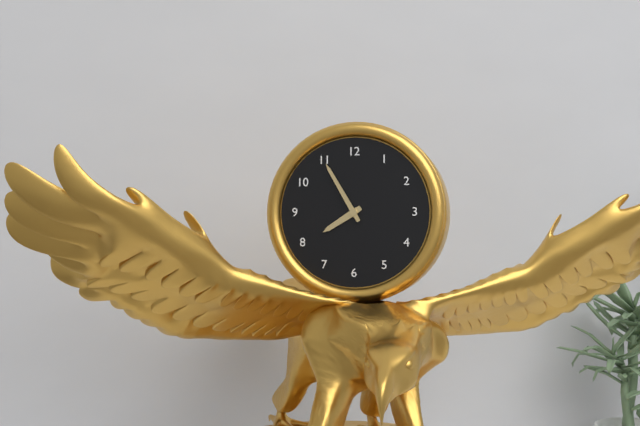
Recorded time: 7.55
